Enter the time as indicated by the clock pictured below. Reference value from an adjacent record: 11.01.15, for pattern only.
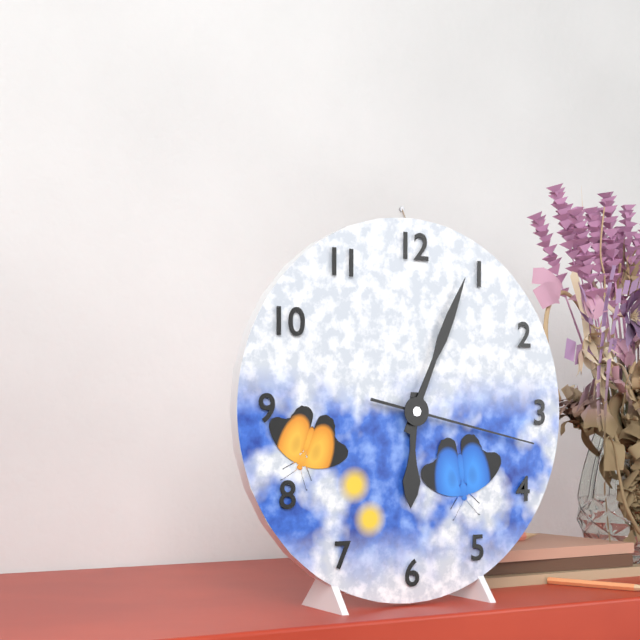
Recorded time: 6.04.17
